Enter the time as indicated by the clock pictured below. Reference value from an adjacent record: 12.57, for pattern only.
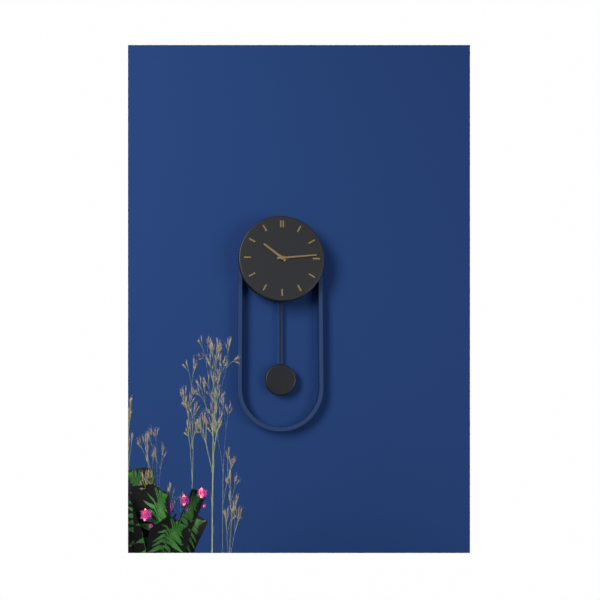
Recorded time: 10.14
